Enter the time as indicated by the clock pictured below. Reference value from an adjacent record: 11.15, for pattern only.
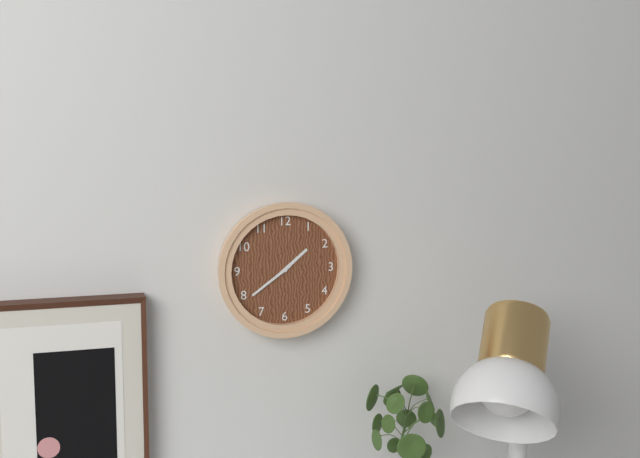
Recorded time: 1.39
